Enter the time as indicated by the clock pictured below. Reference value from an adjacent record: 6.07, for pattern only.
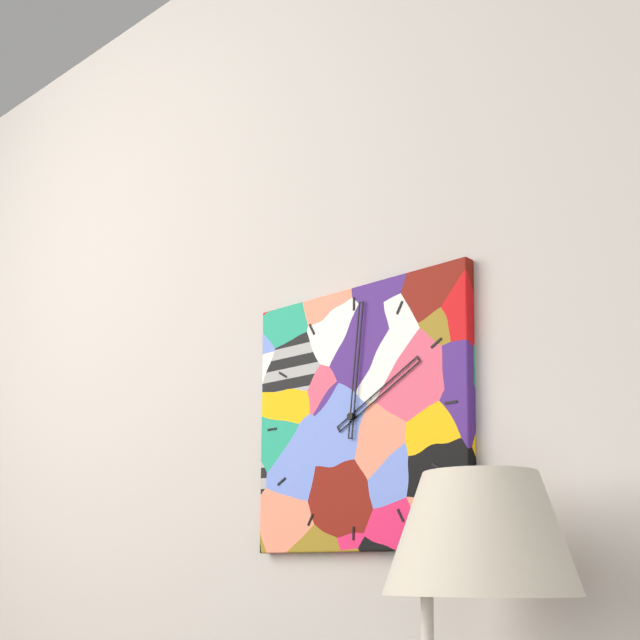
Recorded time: 2.01
